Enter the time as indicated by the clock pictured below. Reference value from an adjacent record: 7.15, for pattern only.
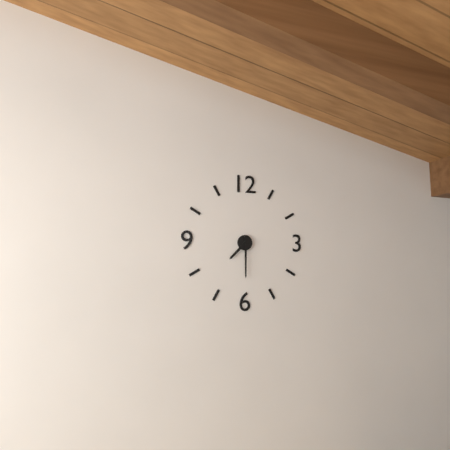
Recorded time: 7.30
